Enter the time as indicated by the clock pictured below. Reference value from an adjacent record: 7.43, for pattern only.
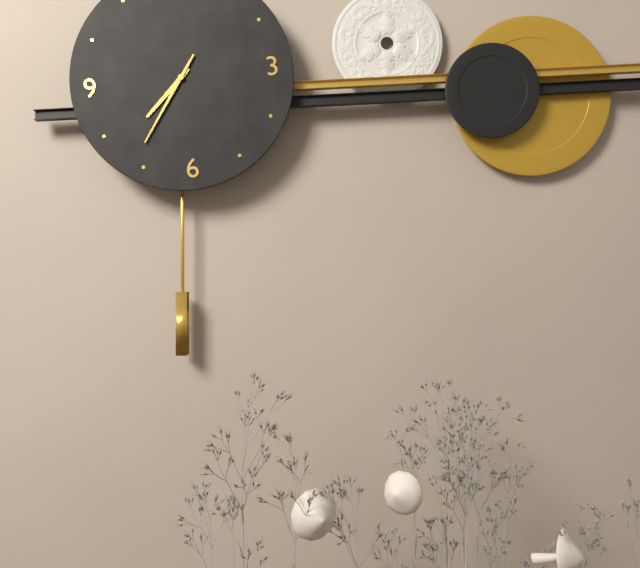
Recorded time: 7.36
